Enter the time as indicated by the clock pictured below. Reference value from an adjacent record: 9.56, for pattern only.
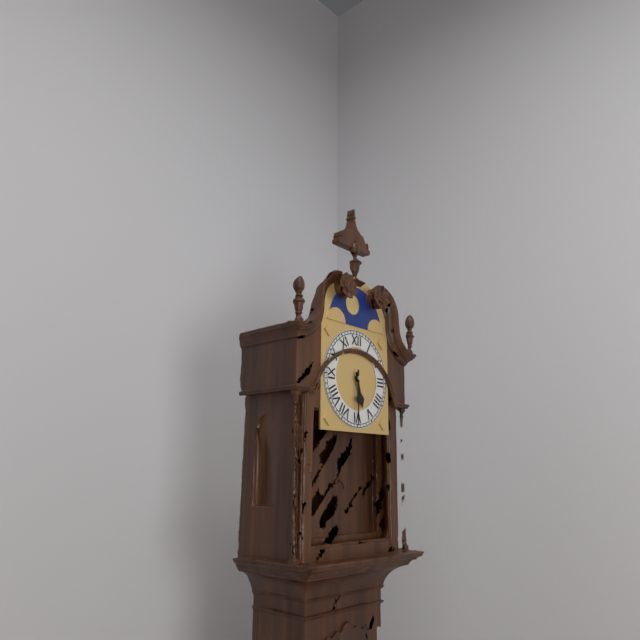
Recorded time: 5.30
